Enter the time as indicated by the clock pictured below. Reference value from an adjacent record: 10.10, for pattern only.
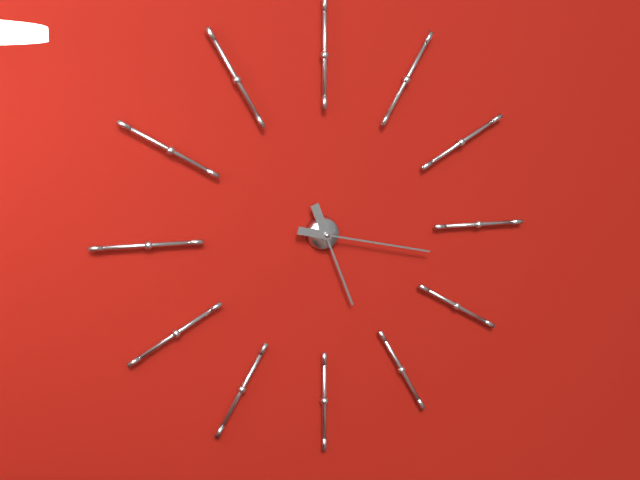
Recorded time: 5.17
